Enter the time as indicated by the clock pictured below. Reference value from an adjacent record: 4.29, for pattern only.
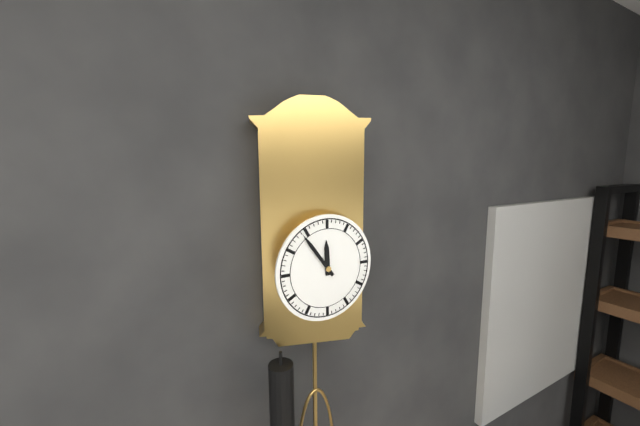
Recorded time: 11.54
